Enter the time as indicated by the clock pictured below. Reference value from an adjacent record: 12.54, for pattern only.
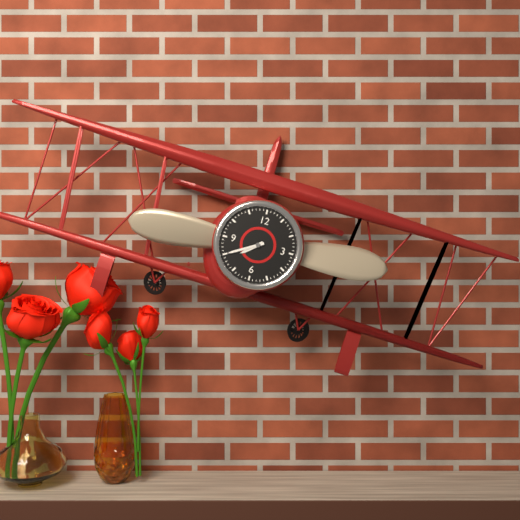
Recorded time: 7.40
